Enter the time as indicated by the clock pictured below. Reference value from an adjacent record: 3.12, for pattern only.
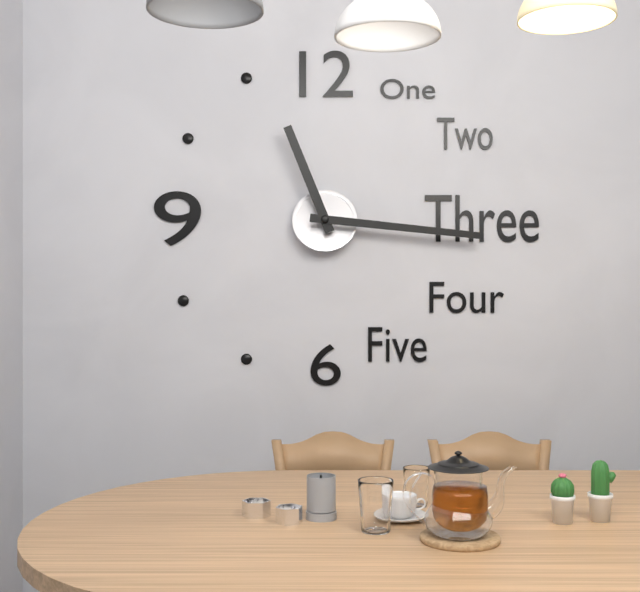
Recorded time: 11.16
